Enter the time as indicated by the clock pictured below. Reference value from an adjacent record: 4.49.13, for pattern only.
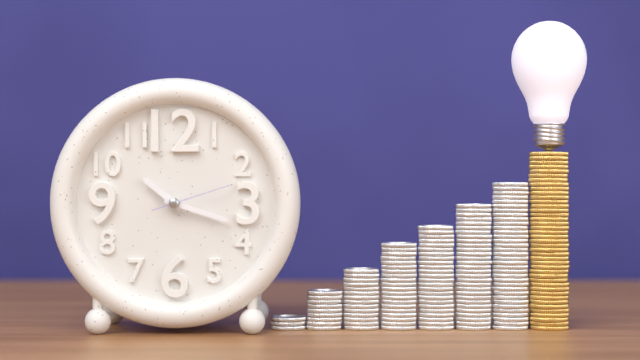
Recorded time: 10.18.12
